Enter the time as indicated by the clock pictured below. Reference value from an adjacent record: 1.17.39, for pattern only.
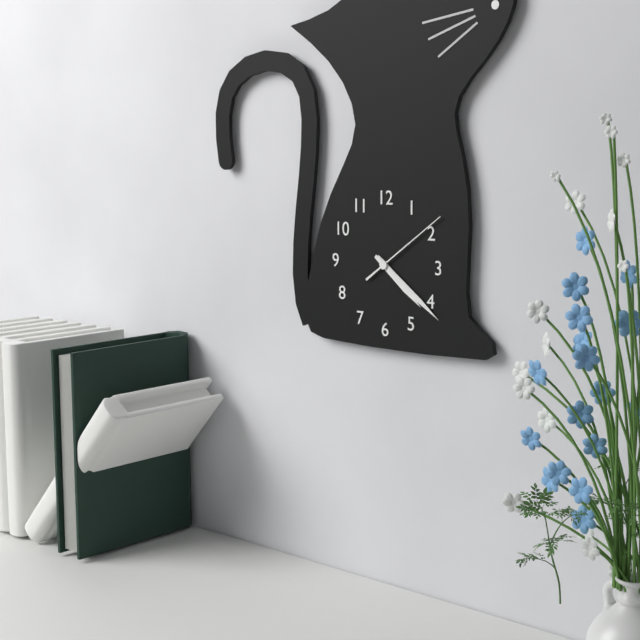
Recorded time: 4.21.09
